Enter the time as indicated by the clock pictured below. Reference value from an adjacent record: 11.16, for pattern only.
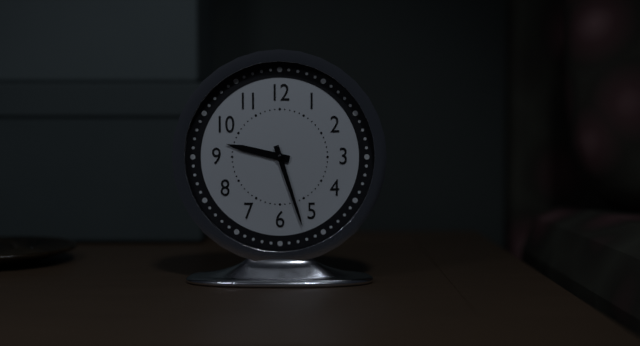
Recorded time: 9.27
